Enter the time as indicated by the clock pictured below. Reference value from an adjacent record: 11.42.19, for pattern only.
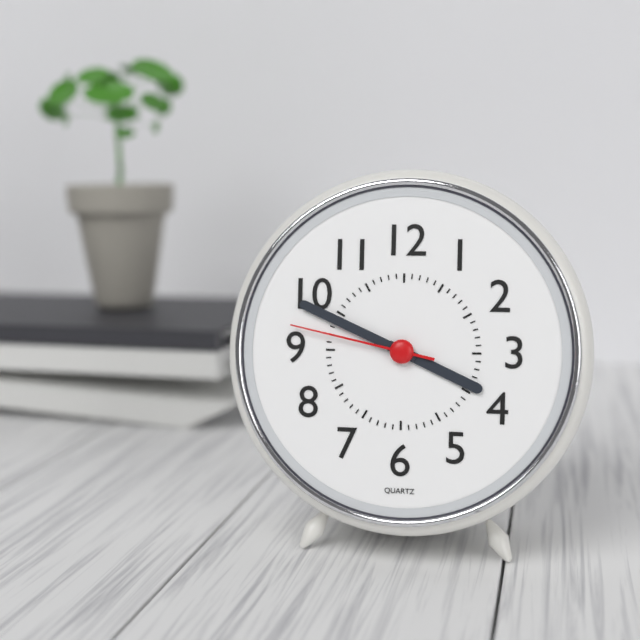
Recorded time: 3.49.47
